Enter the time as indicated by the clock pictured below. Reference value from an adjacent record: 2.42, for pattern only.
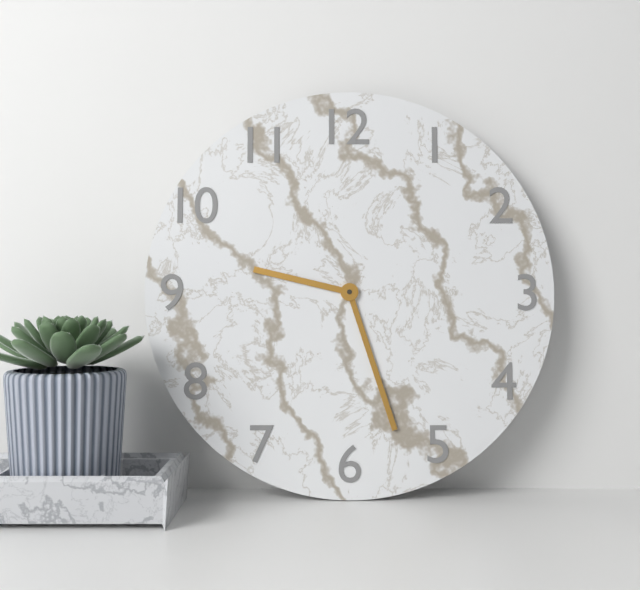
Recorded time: 9.27
